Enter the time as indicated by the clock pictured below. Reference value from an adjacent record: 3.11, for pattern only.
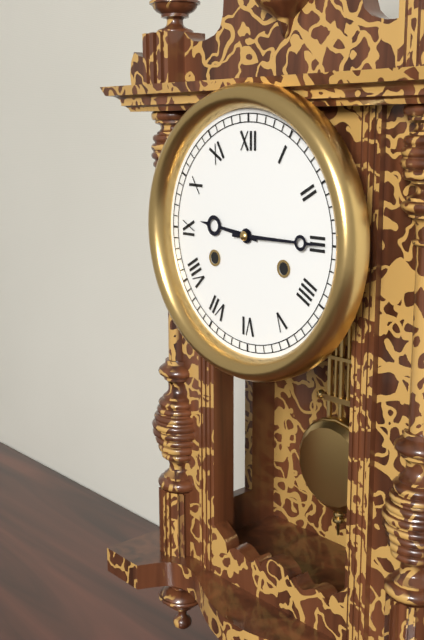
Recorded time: 9.15
